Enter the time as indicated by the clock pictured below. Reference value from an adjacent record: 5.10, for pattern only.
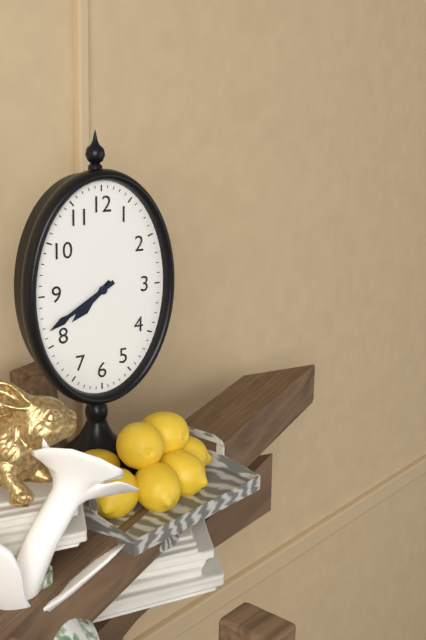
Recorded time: 7.40
